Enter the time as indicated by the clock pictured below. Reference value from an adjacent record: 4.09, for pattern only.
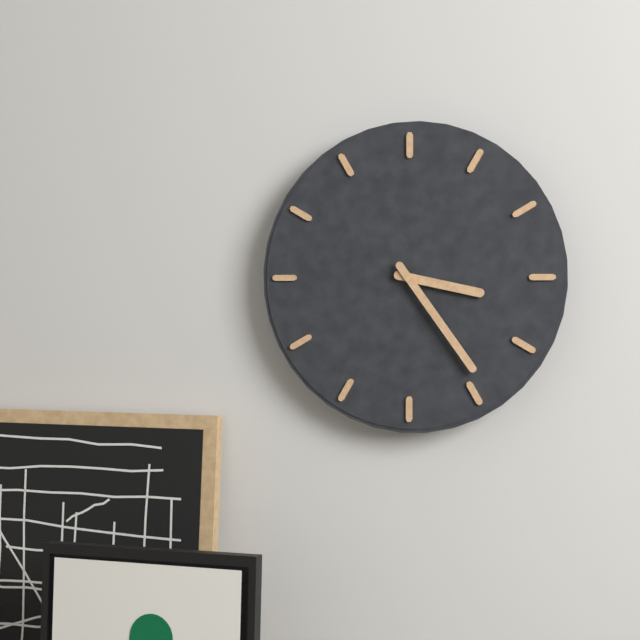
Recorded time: 3.24
